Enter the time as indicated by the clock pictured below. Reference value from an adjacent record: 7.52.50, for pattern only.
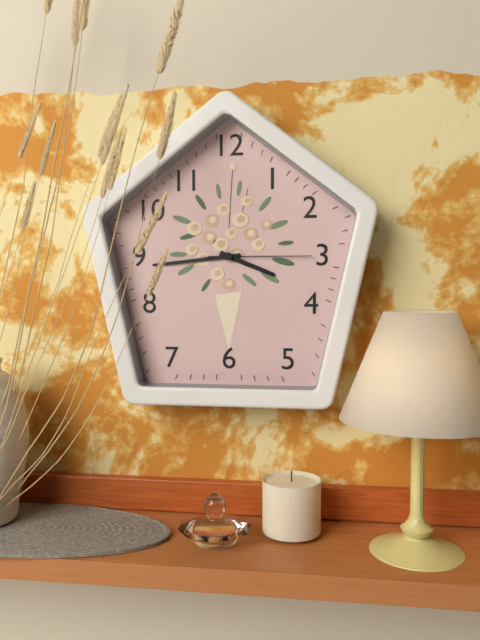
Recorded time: 3.44.15
